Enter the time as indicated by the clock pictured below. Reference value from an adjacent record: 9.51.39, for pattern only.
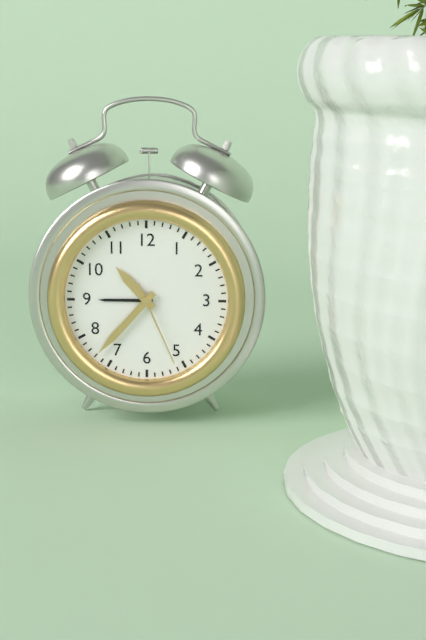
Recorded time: 10.37.26
